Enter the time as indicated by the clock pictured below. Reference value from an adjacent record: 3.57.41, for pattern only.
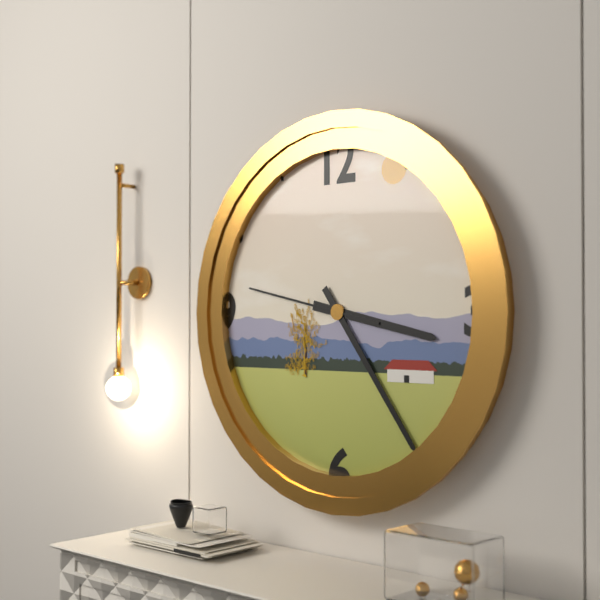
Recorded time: 3.24.47
